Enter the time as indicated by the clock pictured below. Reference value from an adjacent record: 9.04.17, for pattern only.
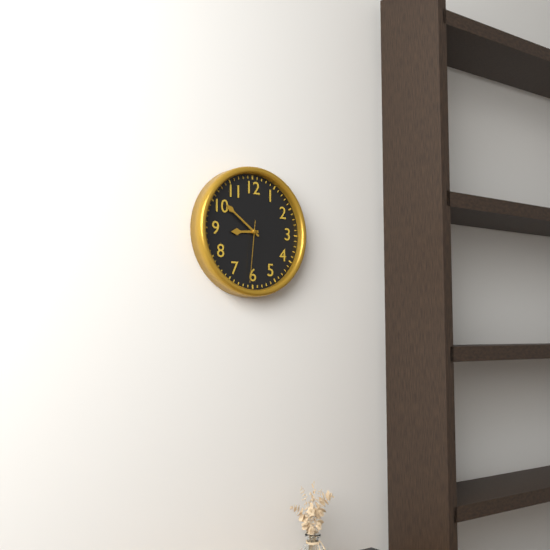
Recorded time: 8.51.31
